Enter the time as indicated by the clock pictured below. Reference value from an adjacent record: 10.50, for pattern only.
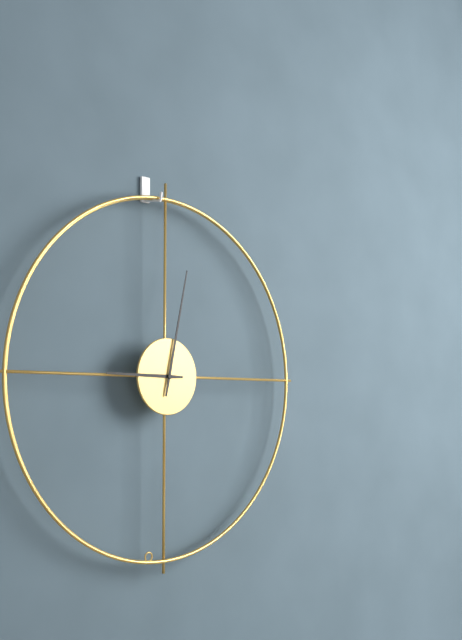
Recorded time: 9.02
